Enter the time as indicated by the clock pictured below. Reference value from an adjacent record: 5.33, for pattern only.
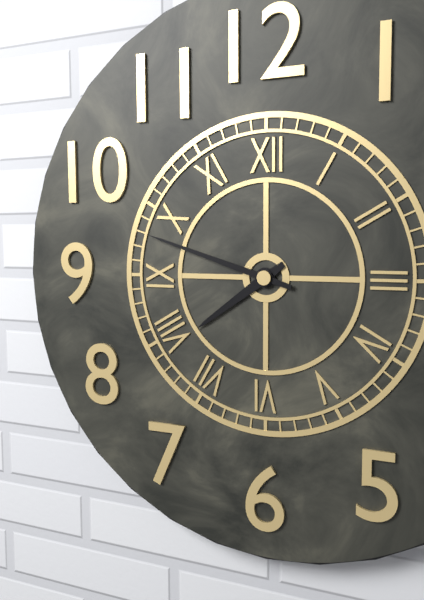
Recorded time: 7.48
